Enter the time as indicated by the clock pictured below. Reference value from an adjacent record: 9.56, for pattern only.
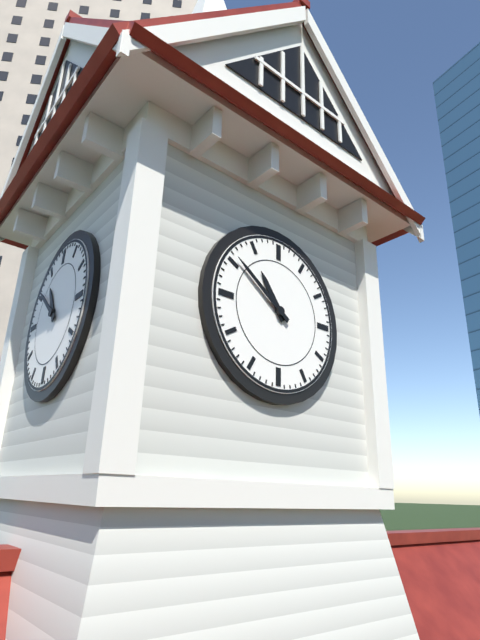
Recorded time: 10.51
